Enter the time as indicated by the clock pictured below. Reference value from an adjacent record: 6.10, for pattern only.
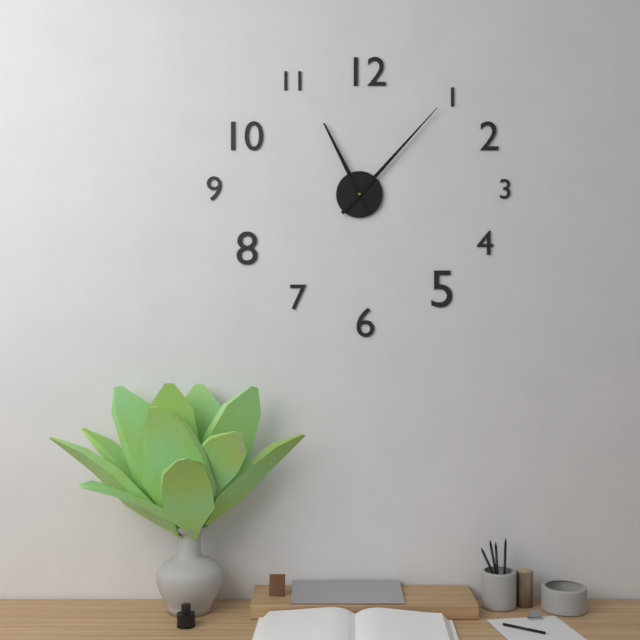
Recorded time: 11.07
